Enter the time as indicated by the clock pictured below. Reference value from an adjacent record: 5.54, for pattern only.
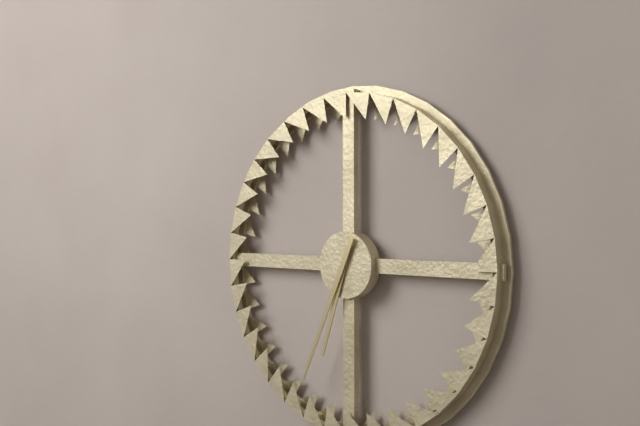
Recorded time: 6.34
